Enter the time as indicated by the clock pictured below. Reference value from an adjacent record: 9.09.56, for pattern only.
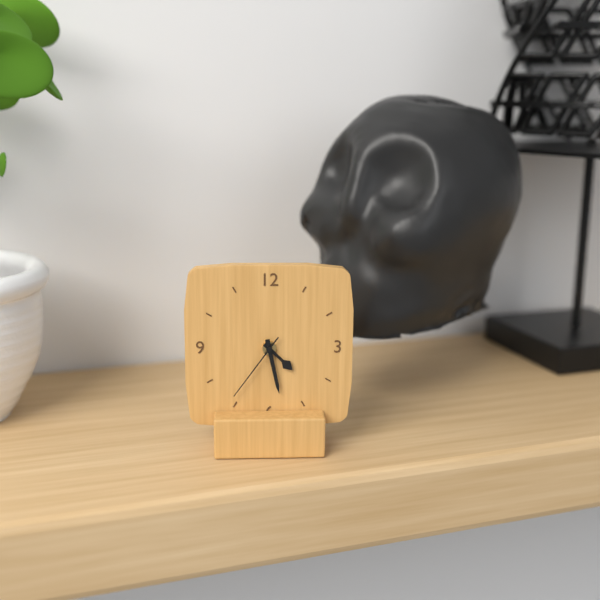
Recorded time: 4.28.36
